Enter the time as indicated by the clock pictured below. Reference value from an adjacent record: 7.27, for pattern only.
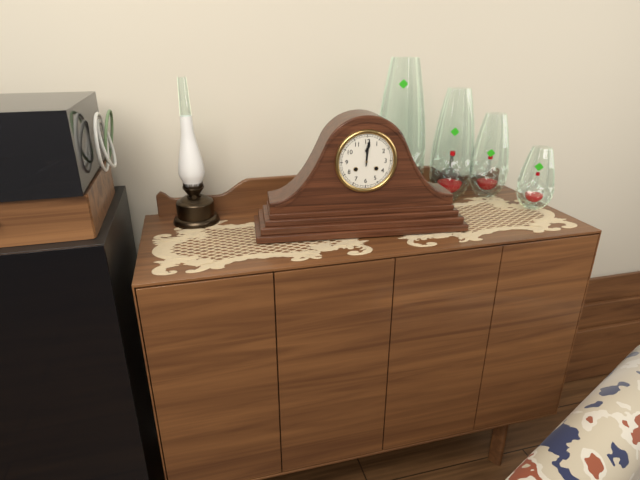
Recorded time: 12.01
